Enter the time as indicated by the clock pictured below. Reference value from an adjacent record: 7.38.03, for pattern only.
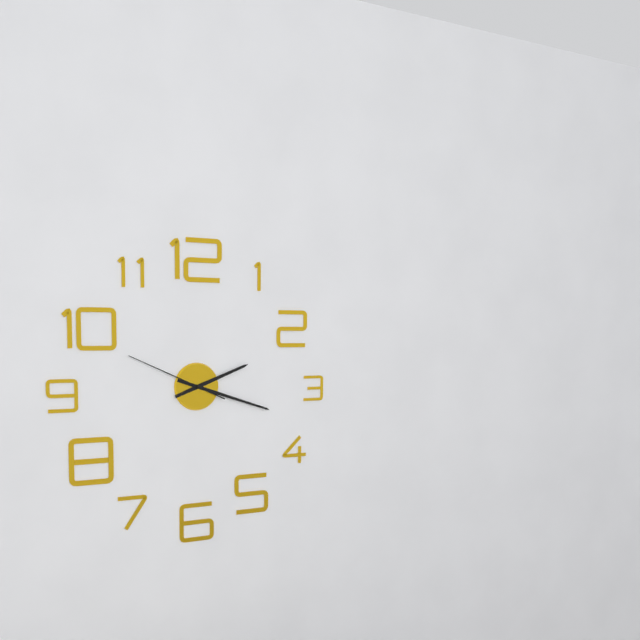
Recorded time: 2.18.49
